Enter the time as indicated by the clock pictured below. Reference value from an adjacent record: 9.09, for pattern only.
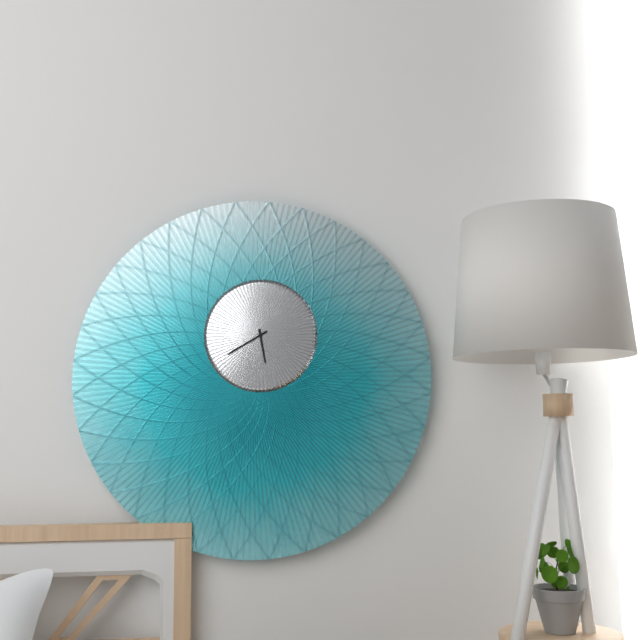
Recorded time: 5.40
